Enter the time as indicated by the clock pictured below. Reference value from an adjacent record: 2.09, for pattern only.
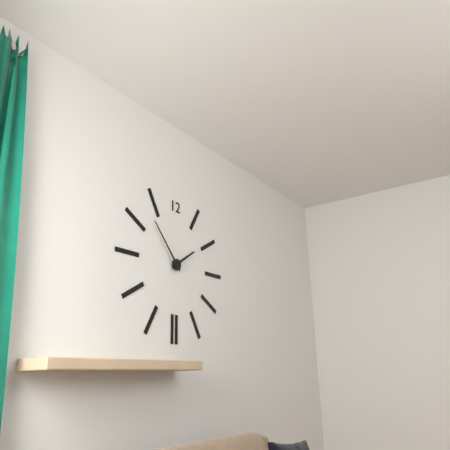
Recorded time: 1.53
